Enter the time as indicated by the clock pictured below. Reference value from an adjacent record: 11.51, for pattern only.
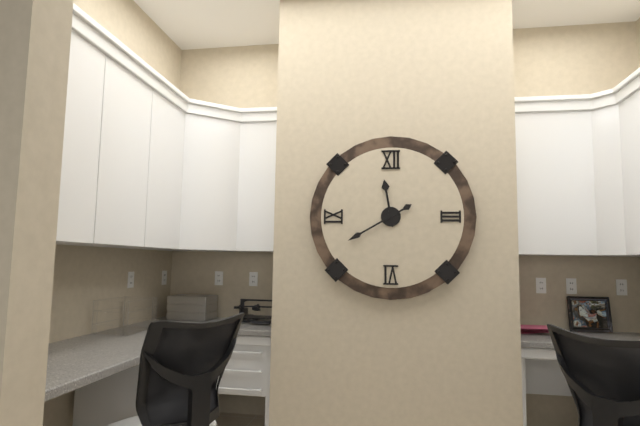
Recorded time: 11.40
